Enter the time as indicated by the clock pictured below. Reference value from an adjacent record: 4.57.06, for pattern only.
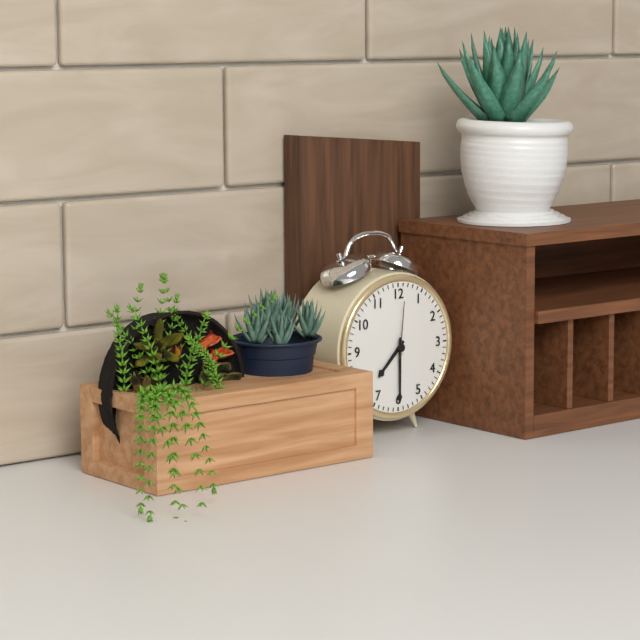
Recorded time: 7.30.01
